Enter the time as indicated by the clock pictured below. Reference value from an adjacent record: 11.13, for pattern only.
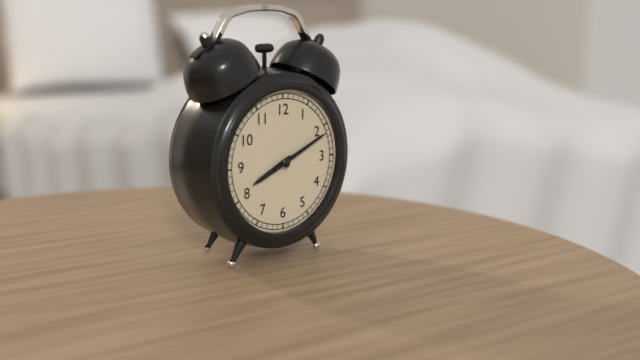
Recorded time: 8.11
